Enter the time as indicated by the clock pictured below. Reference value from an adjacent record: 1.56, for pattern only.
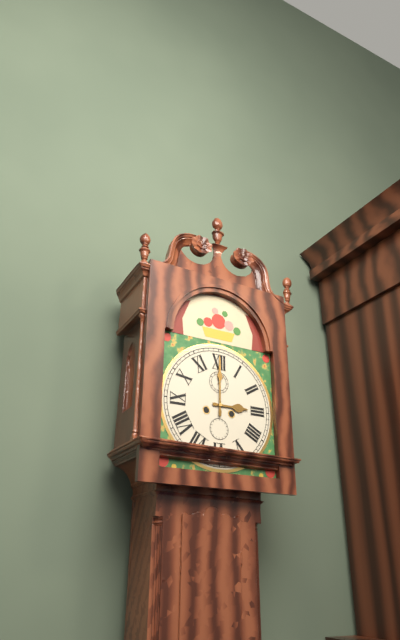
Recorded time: 3.00
